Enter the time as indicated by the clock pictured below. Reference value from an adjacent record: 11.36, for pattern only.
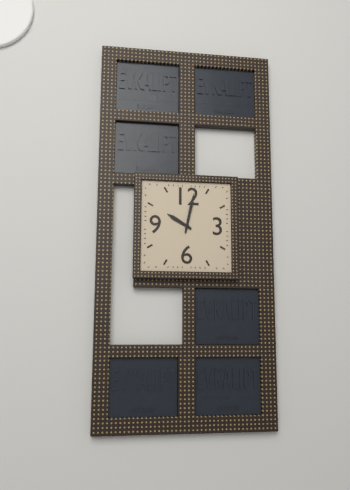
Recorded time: 10.02
